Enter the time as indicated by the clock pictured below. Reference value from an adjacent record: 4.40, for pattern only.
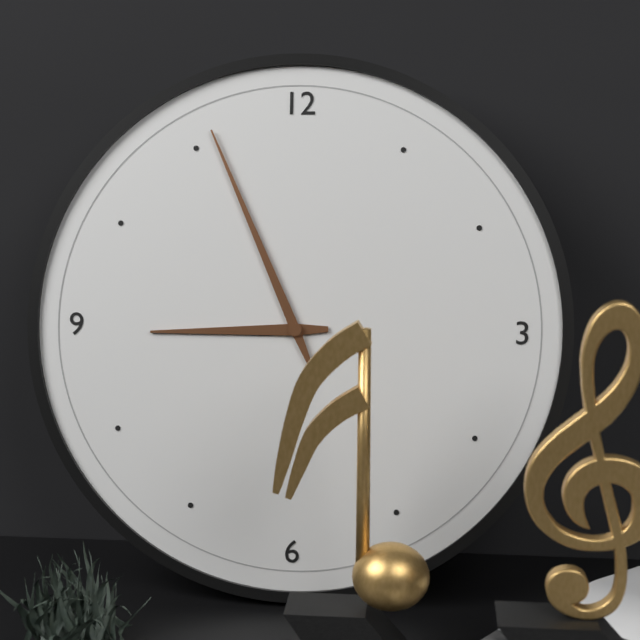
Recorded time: 8.56
